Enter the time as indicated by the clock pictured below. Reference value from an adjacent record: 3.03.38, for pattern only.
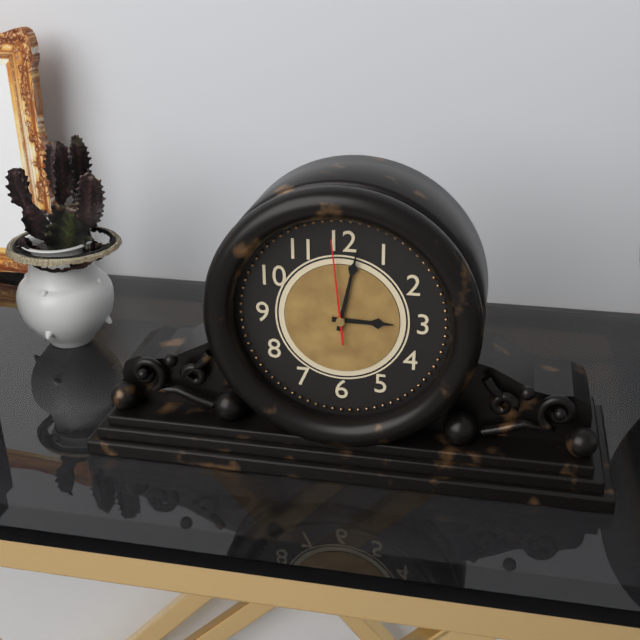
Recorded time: 3.02.59
